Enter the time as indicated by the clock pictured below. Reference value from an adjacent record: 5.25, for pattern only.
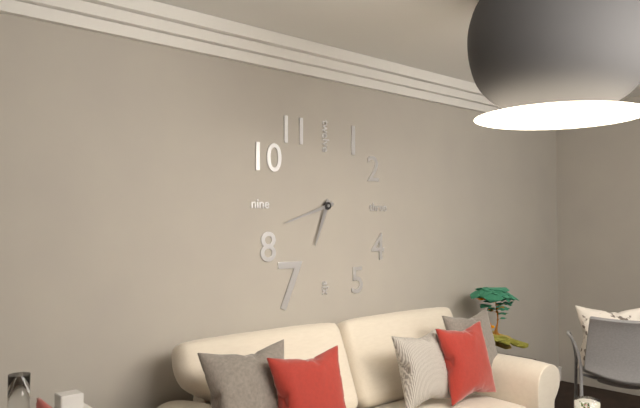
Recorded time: 6.42
